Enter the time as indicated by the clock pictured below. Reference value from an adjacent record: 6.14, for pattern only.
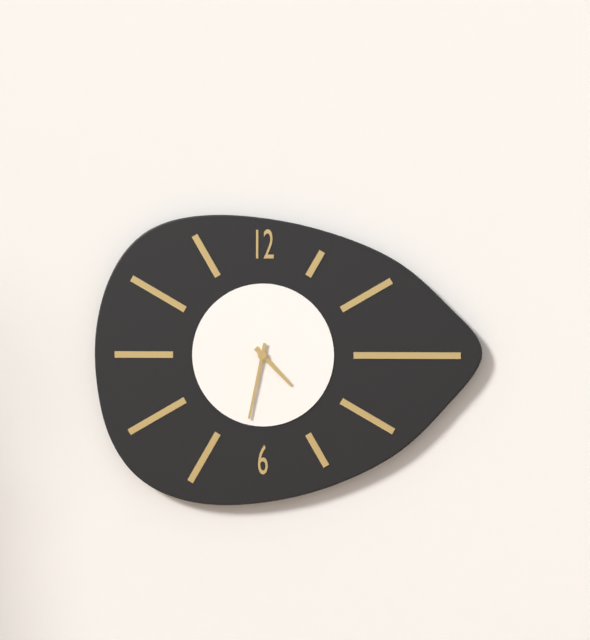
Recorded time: 4.32
